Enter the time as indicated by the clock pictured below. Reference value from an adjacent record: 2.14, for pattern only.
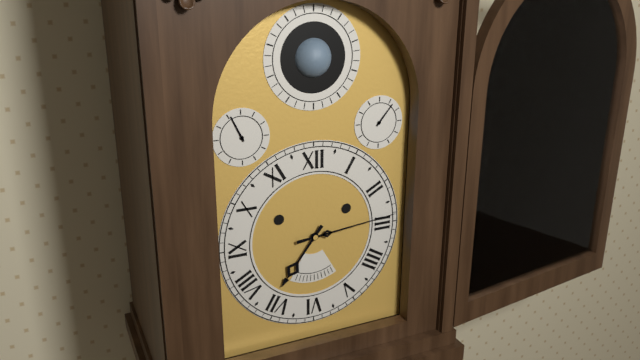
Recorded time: 7.14
